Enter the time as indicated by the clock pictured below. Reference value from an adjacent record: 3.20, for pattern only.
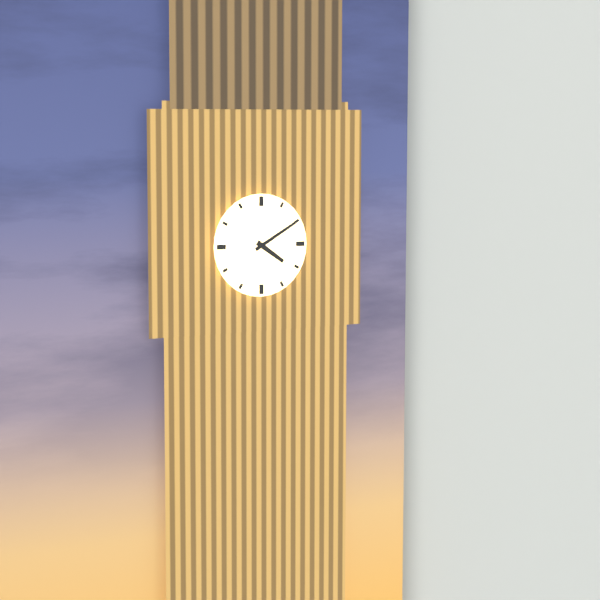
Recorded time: 4.10
